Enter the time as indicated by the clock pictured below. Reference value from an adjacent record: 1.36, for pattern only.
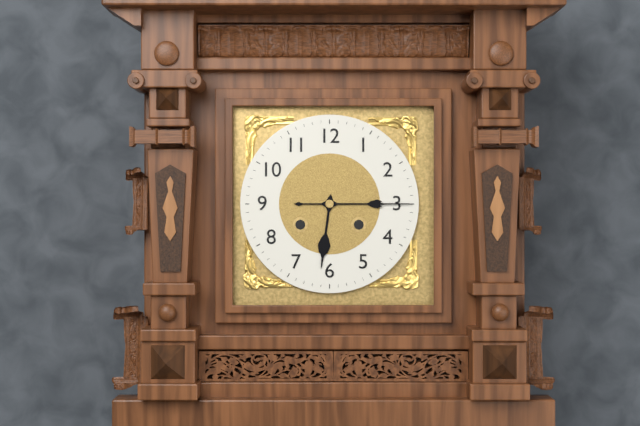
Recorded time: 6.15
